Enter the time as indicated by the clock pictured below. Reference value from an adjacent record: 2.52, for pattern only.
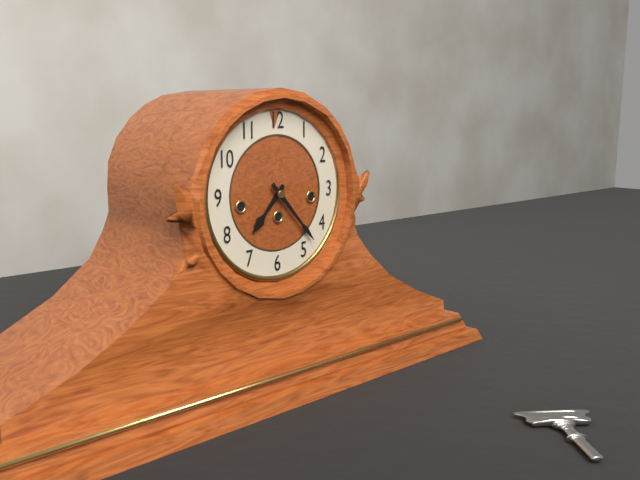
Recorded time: 7.23
